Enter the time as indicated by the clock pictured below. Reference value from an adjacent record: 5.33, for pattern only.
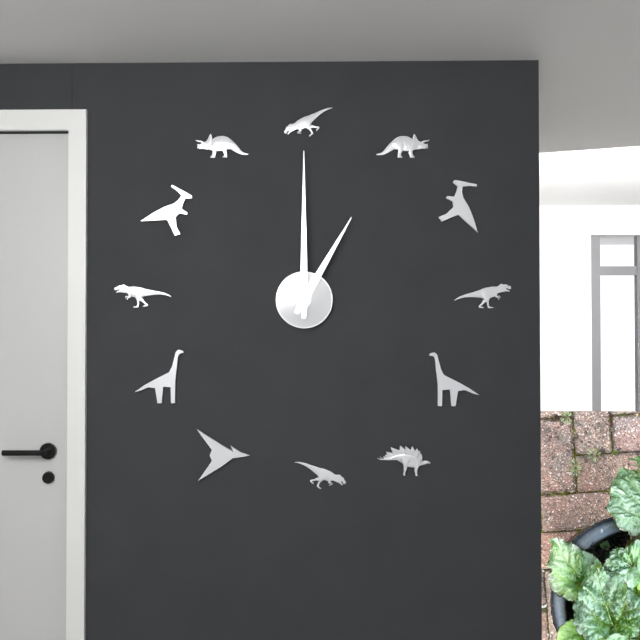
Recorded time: 1.00
